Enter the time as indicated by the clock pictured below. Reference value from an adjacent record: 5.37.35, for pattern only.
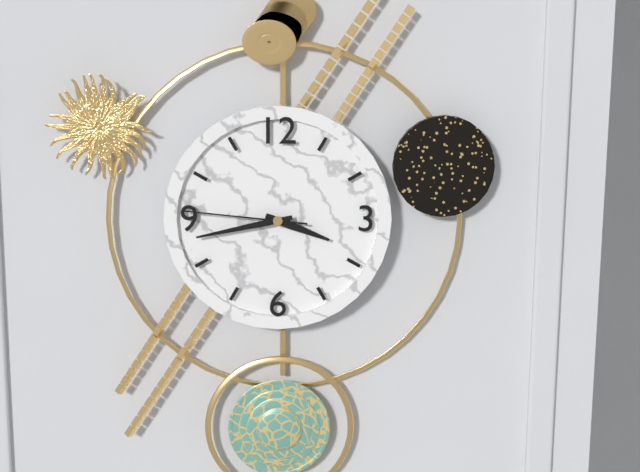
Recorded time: 3.43.46
